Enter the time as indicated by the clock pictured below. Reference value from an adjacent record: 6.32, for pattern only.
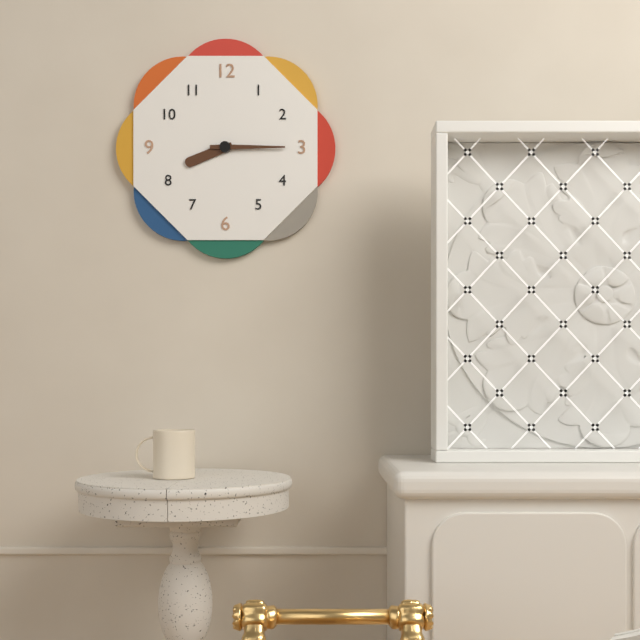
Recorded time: 8.15
